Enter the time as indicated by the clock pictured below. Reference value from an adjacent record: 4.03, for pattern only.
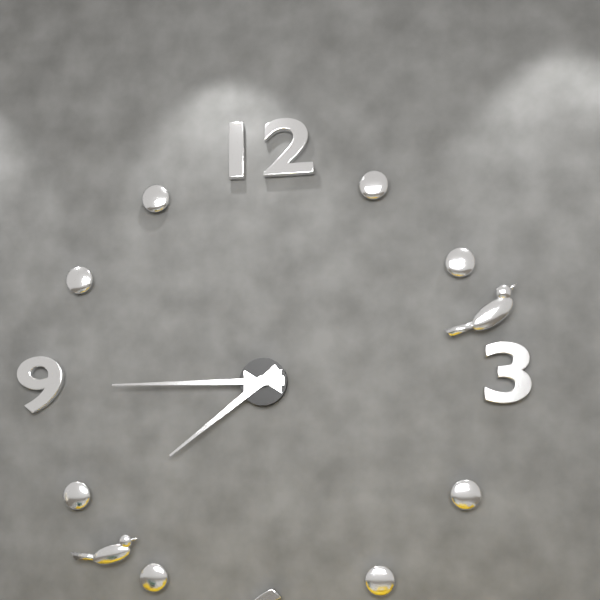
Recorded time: 7.45
